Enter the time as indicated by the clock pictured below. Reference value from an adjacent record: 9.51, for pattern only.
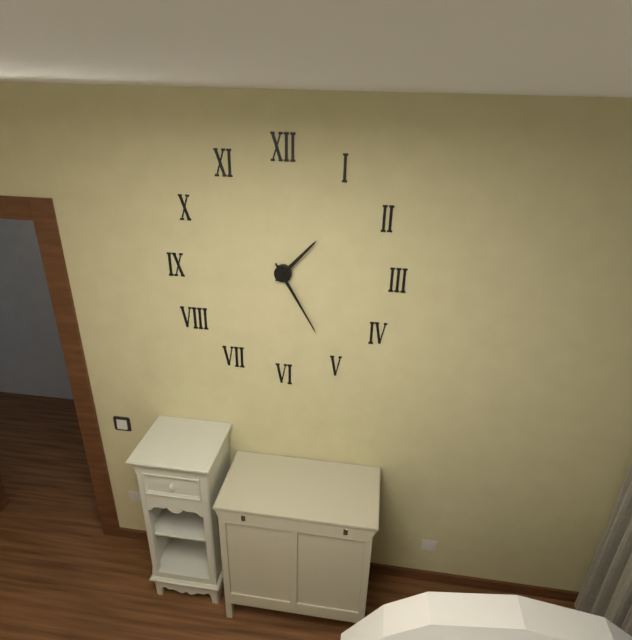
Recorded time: 1.25
